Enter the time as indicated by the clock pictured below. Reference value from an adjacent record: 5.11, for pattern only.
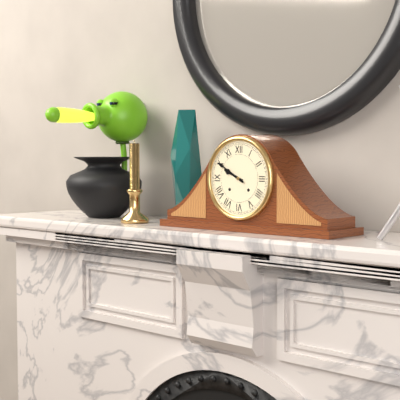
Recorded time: 9.50
